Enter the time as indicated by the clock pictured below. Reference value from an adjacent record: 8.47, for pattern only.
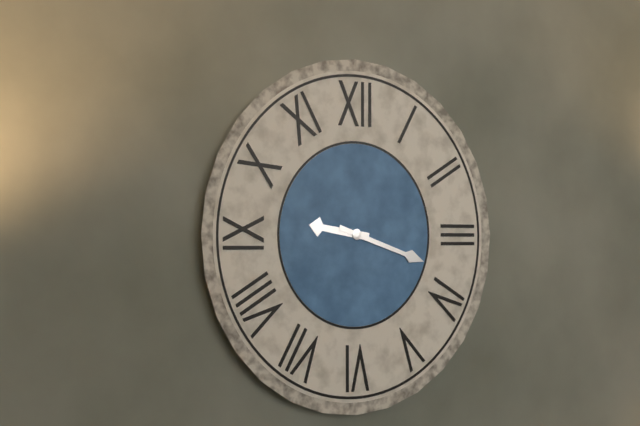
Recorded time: 9.18
